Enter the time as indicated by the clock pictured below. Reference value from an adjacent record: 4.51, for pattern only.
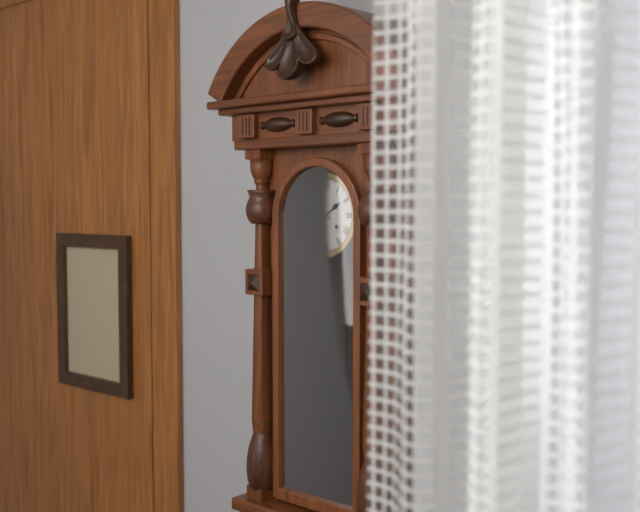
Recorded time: 1.50
